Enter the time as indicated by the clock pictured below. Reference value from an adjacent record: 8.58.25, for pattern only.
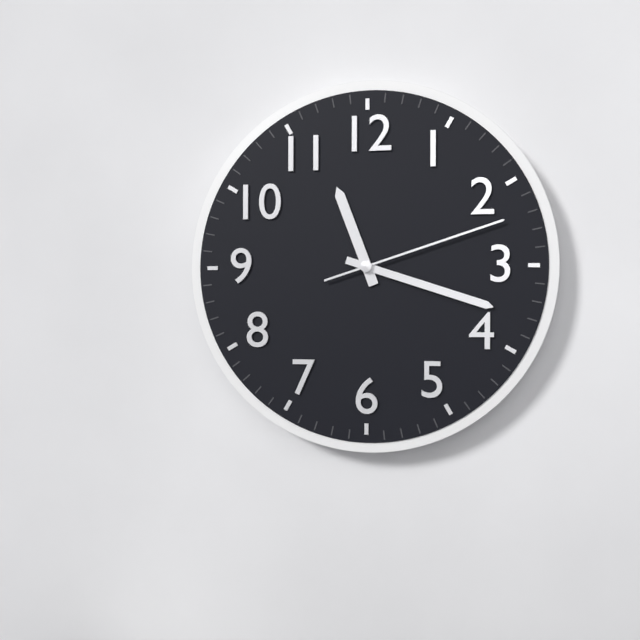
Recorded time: 11.18.12
